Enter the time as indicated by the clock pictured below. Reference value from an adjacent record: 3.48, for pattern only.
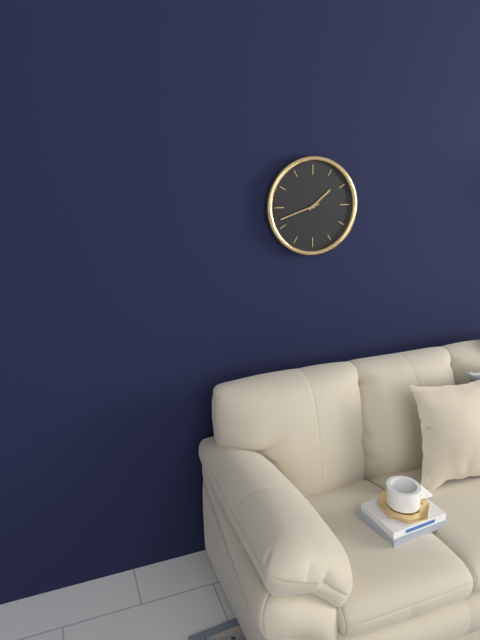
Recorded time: 1.42
